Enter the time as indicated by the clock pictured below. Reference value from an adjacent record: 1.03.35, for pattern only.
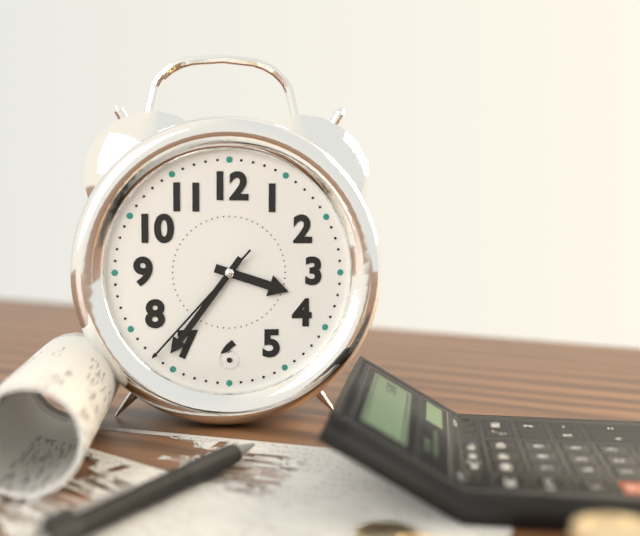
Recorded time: 3.36.37
